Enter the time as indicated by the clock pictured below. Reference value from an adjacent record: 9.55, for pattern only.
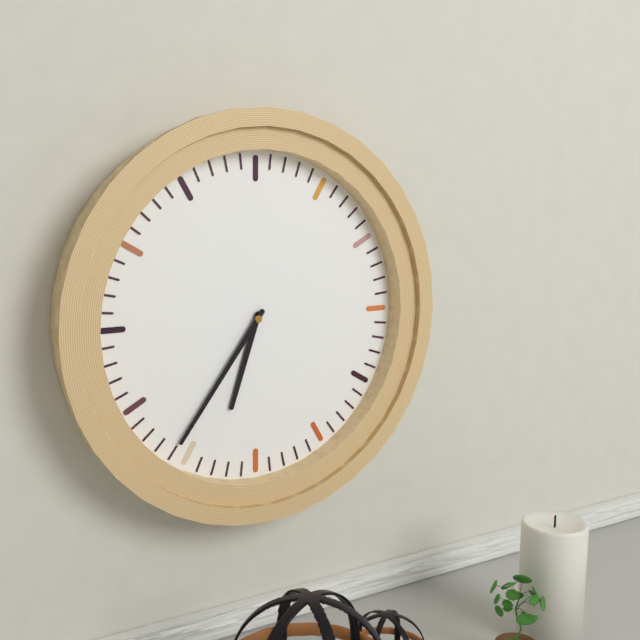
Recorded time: 6.36
